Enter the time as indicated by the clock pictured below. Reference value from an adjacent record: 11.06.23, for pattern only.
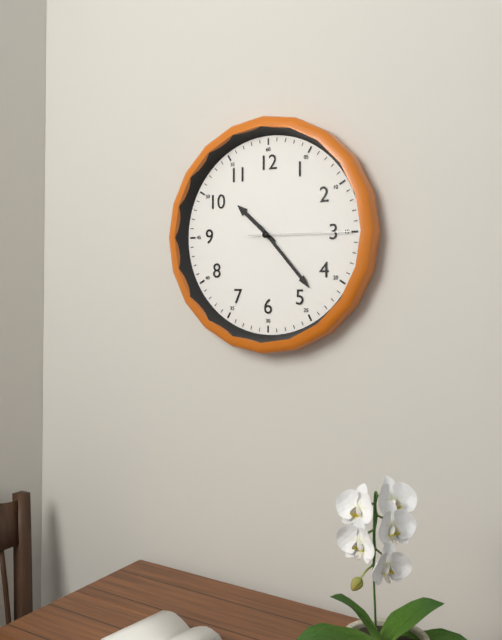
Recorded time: 10.23.15
